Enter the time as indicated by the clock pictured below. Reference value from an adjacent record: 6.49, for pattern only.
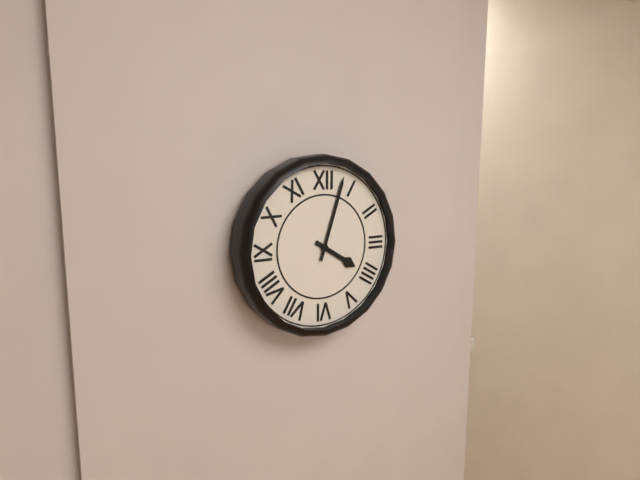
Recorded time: 4.03
